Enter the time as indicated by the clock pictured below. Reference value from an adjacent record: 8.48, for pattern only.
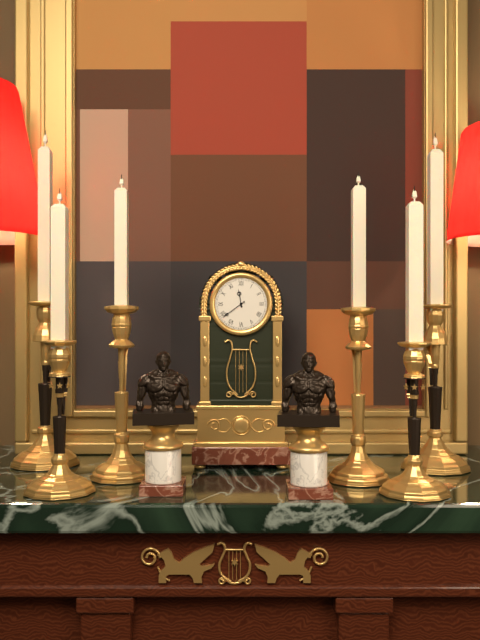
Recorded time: 11.39
